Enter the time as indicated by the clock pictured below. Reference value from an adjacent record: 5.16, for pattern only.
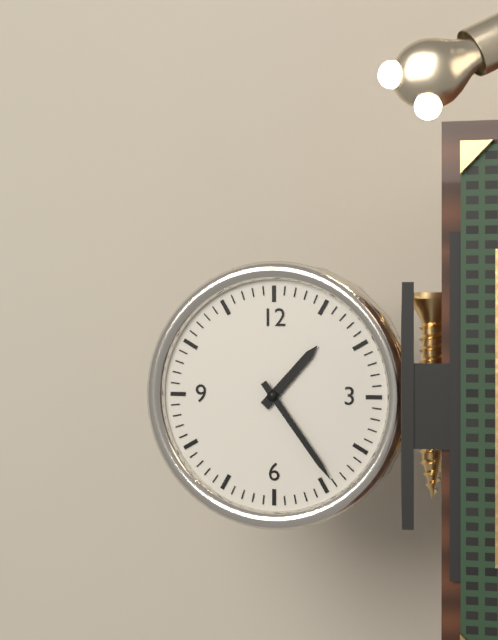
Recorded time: 1.24
